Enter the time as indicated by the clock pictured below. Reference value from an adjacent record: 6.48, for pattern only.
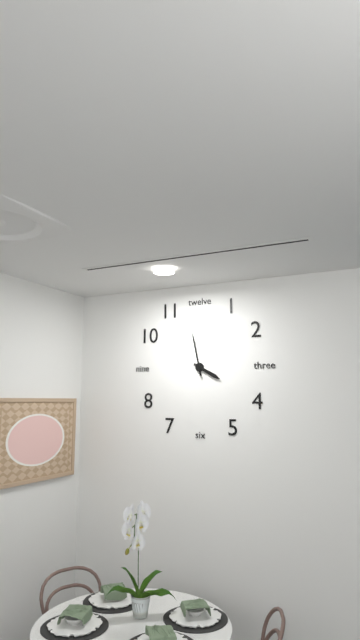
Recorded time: 3.58
